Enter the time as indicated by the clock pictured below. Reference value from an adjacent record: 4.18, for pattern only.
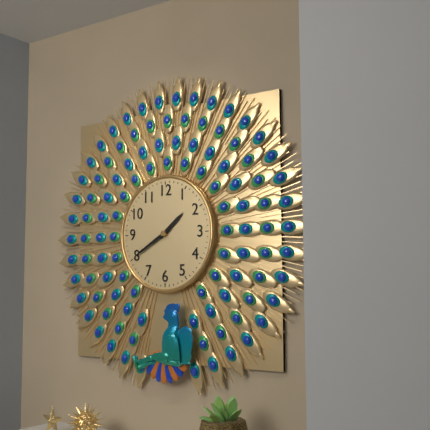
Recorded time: 1.40
